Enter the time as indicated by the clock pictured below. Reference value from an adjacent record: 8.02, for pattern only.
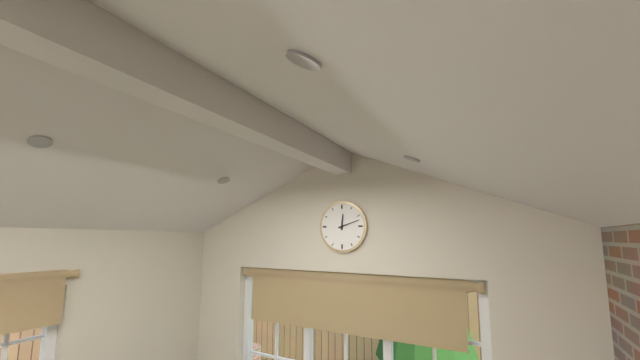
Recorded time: 12.12
